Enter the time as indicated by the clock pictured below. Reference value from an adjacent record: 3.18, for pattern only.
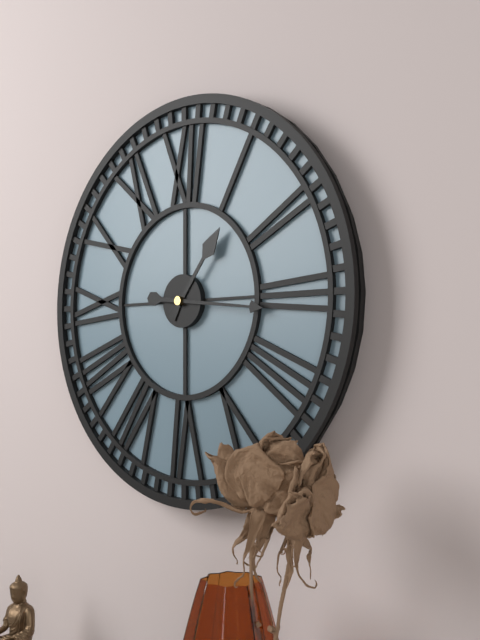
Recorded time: 1.16
